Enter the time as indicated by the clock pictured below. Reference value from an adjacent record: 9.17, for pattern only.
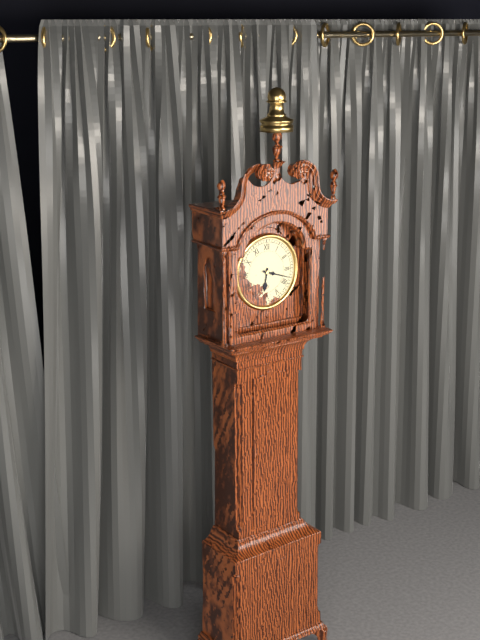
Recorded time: 6.18
